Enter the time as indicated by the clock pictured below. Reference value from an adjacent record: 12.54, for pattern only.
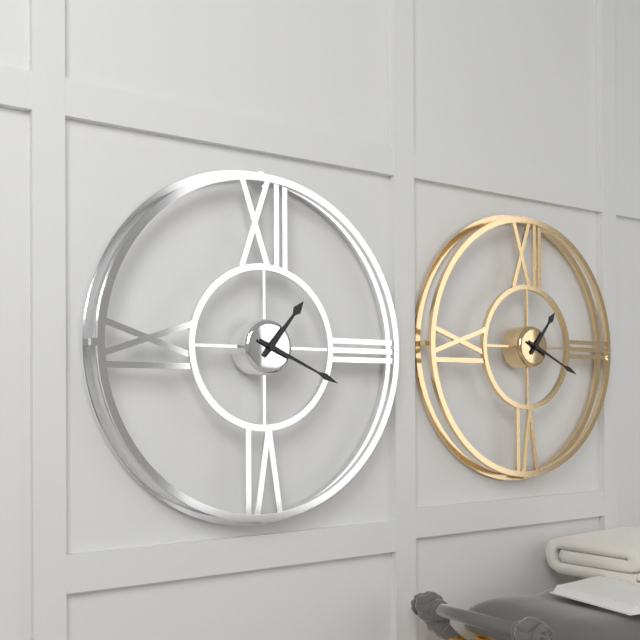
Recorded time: 1.19
